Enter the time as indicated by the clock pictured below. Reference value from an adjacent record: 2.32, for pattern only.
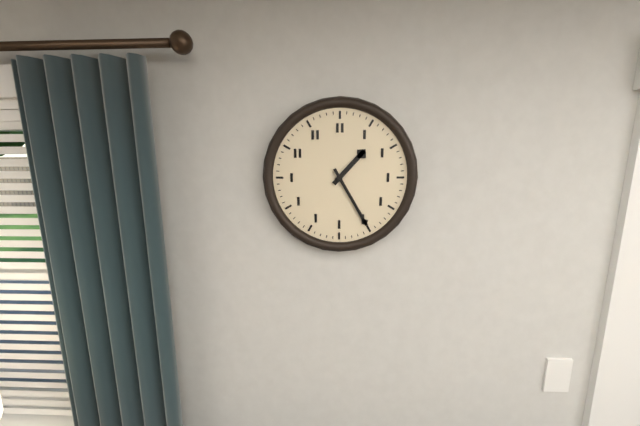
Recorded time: 1.25
